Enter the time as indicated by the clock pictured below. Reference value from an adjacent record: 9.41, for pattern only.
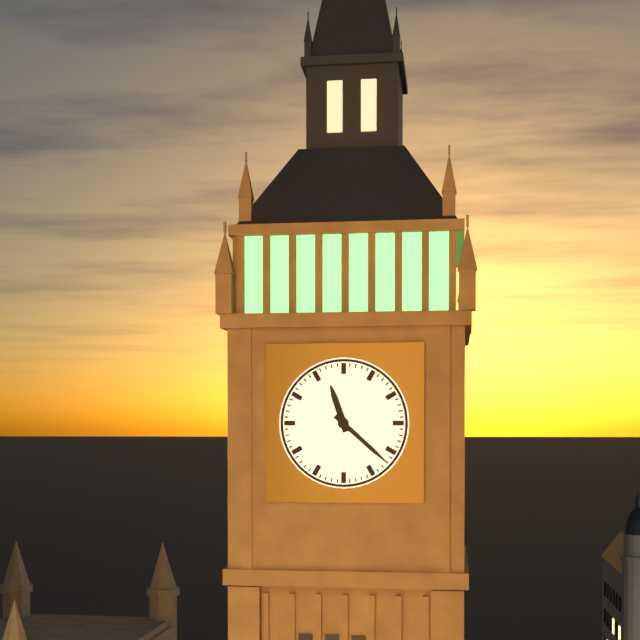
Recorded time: 11.22
